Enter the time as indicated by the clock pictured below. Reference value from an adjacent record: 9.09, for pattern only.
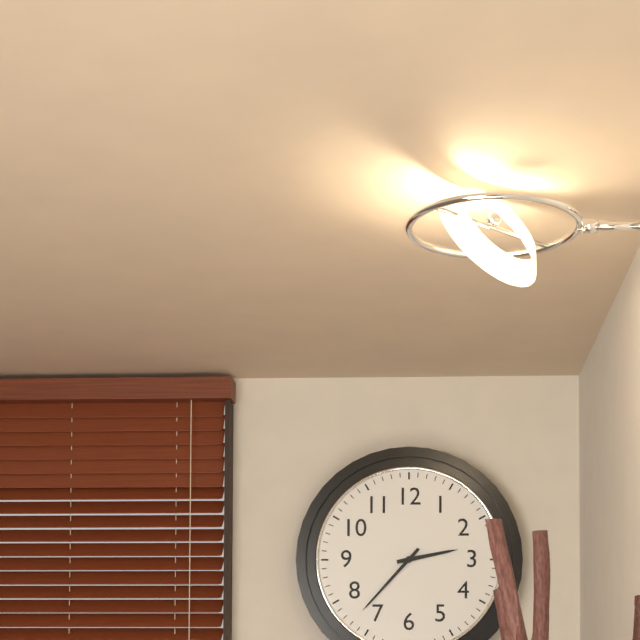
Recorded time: 2.37
